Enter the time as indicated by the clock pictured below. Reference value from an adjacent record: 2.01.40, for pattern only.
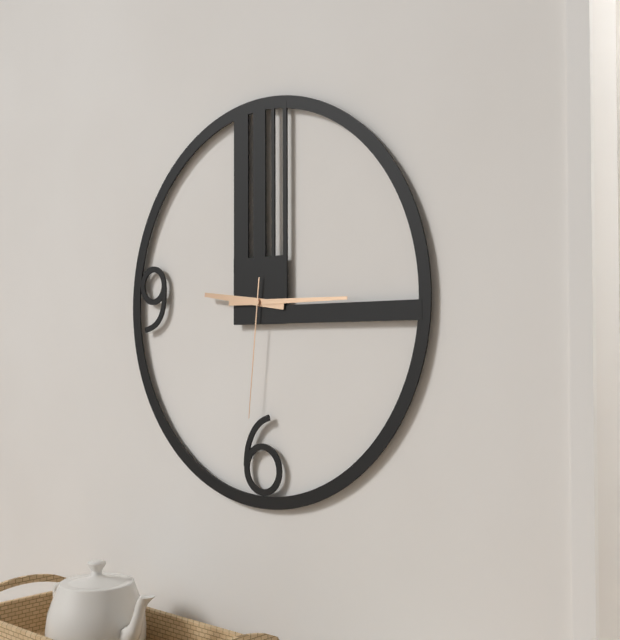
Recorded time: 9.15.31
